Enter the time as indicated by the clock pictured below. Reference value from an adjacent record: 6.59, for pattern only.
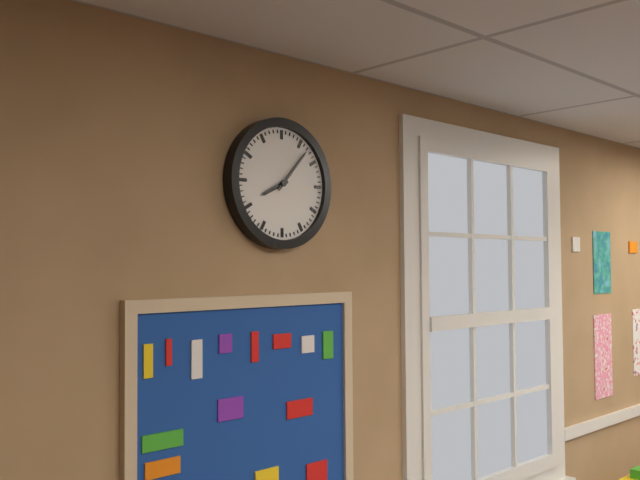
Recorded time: 8.07
